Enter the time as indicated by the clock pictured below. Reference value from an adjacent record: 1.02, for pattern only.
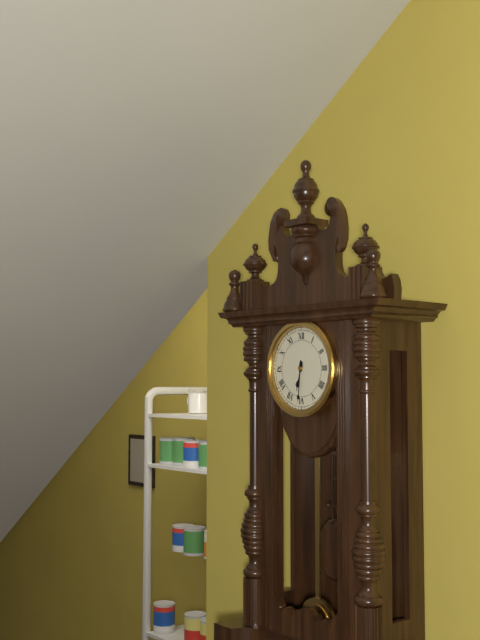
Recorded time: 6.31
